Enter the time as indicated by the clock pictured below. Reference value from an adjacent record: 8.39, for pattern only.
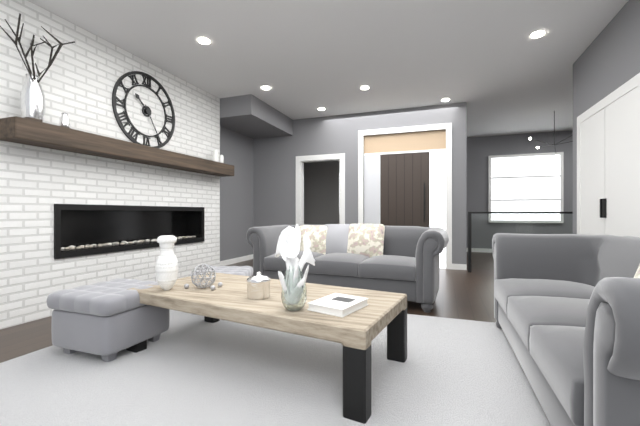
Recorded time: 10.25
